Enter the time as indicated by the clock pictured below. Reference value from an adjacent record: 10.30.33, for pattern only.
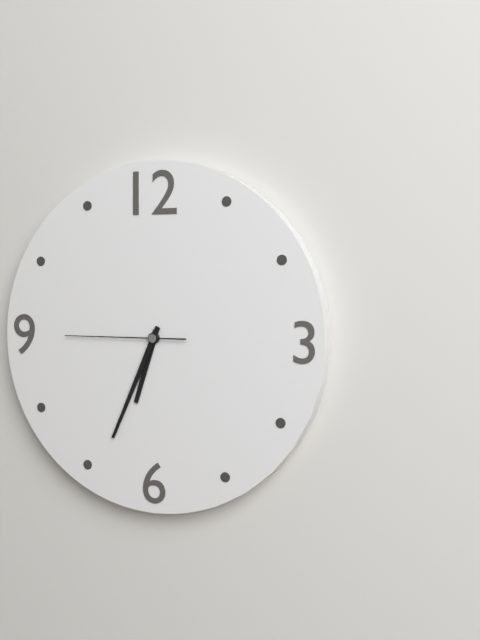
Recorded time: 6.34.45
